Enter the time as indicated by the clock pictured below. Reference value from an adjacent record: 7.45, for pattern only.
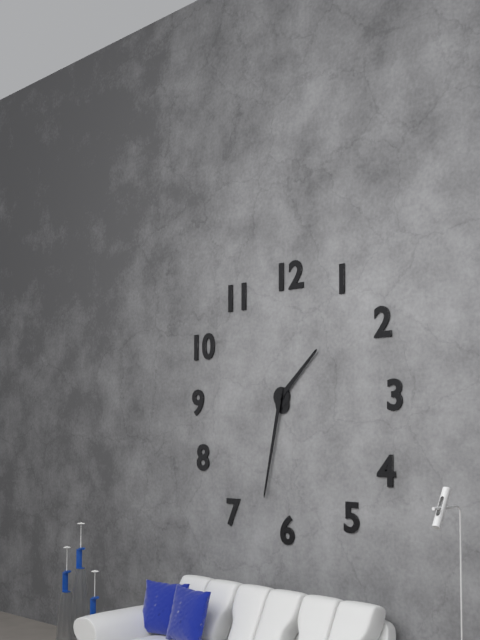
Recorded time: 1.32
